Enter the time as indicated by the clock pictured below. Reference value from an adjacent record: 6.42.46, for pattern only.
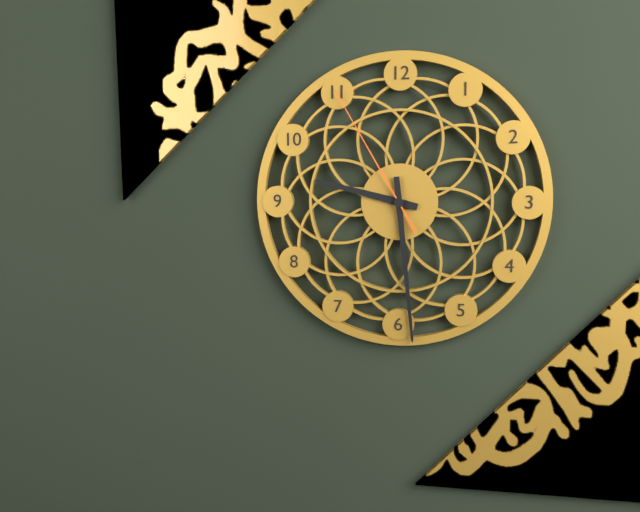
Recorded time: 9.29.55
